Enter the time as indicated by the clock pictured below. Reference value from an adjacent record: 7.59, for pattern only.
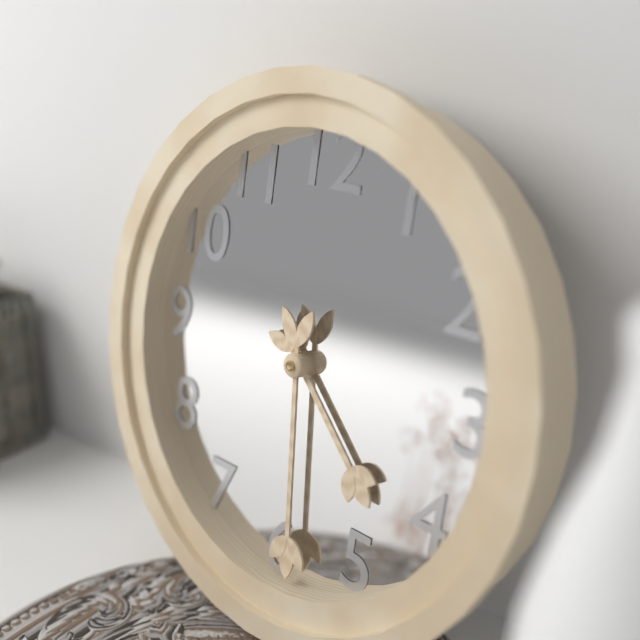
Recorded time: 4.29
